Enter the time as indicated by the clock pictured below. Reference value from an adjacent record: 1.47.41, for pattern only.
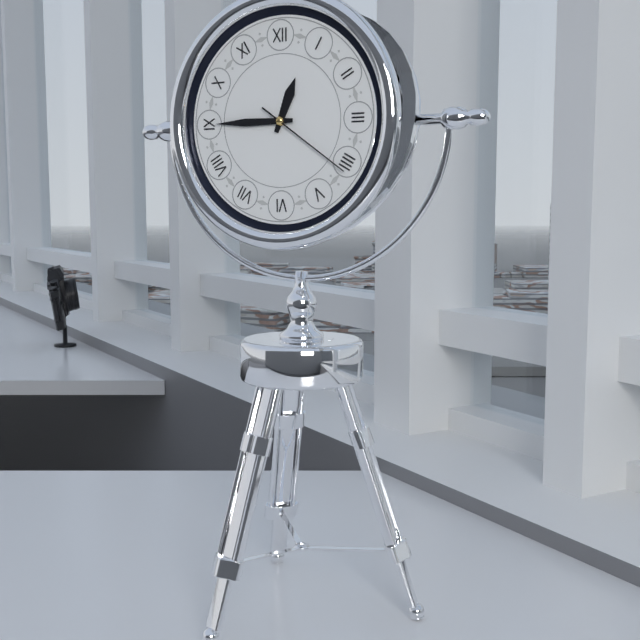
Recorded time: 12.45.21
